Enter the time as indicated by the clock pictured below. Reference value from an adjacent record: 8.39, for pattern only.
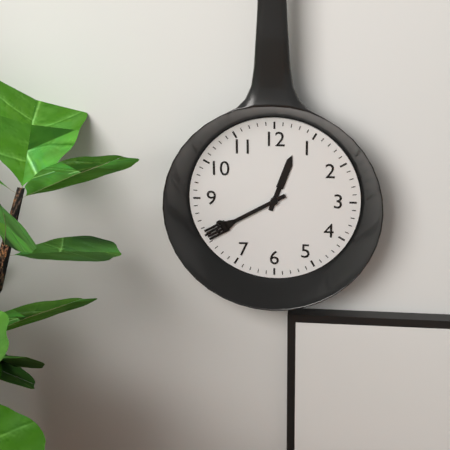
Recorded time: 12.40
